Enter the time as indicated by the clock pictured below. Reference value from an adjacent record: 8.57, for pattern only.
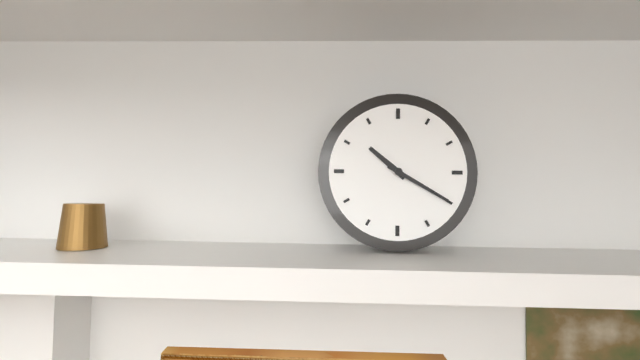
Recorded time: 10.20
